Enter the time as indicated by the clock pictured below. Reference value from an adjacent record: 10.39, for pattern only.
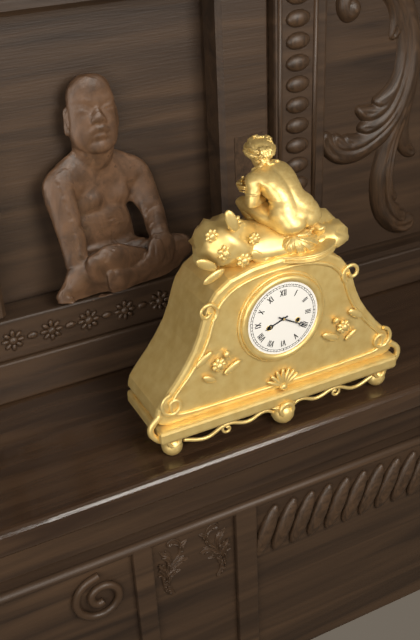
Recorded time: 8.20
